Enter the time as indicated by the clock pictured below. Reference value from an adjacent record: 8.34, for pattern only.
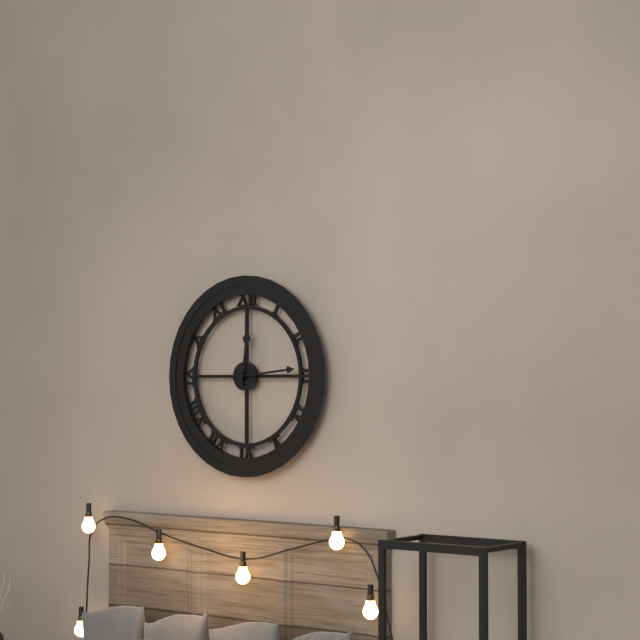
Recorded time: 12.14
